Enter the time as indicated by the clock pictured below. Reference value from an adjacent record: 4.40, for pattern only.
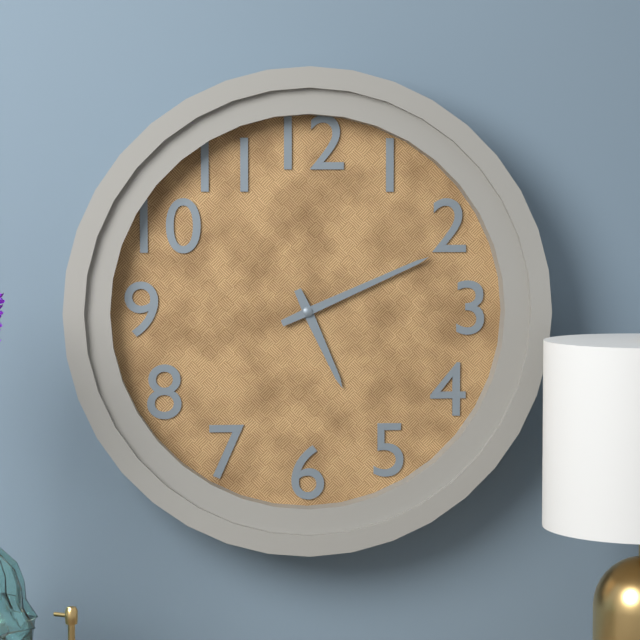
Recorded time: 5.11
